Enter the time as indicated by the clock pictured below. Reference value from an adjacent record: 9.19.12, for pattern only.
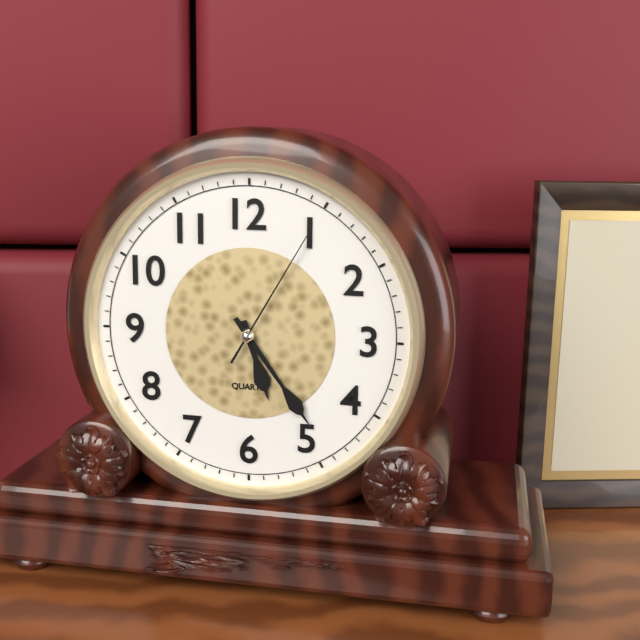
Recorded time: 5.24.05
